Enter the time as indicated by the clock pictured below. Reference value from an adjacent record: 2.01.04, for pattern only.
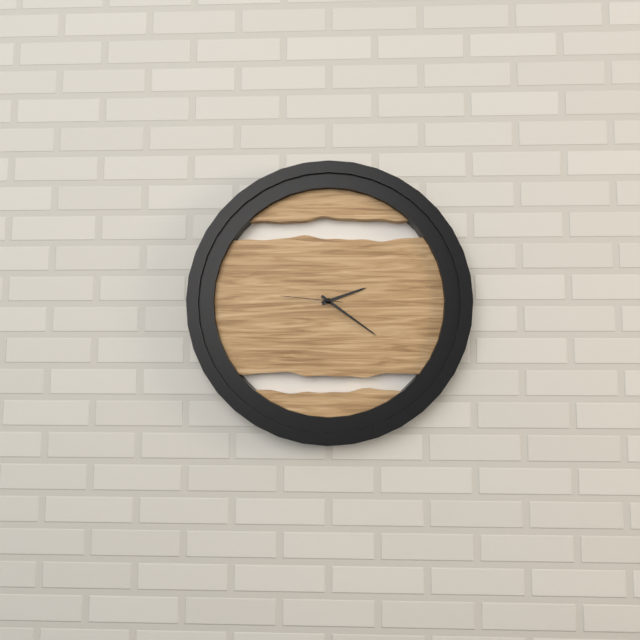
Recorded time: 2.21.46
